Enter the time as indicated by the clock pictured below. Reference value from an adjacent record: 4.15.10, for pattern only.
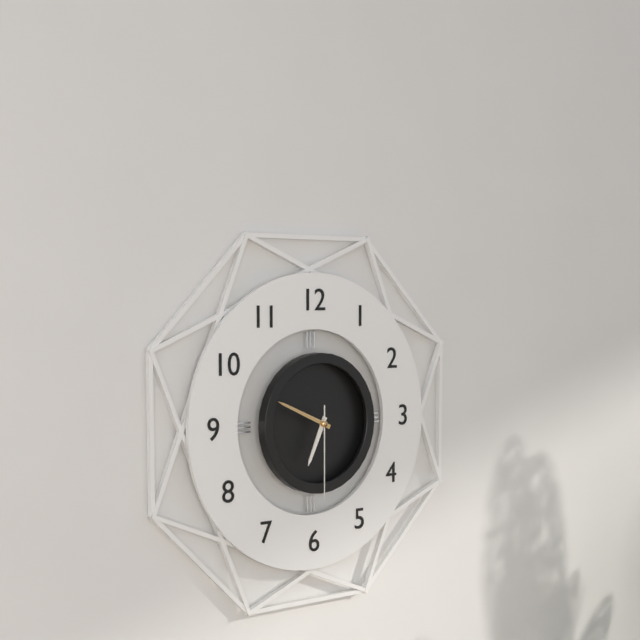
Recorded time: 6.49.30
